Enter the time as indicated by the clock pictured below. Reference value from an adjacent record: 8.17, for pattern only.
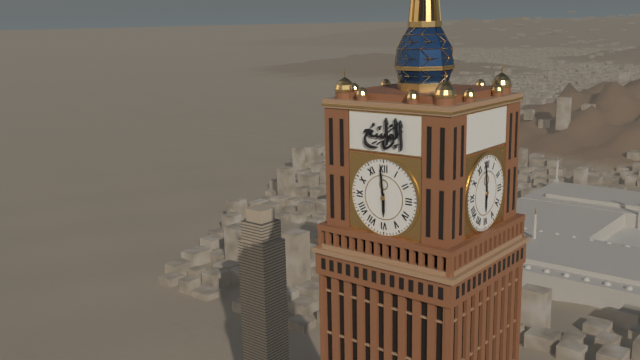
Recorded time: 5.59
